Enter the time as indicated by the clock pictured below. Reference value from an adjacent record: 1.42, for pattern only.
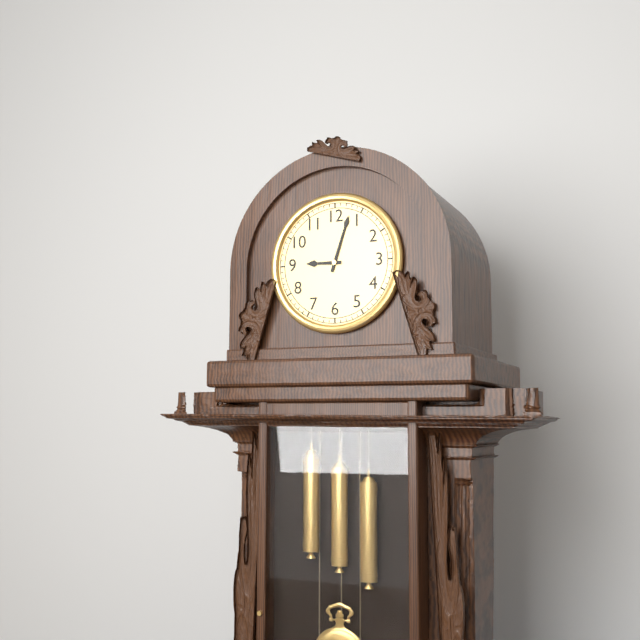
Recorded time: 9.03
